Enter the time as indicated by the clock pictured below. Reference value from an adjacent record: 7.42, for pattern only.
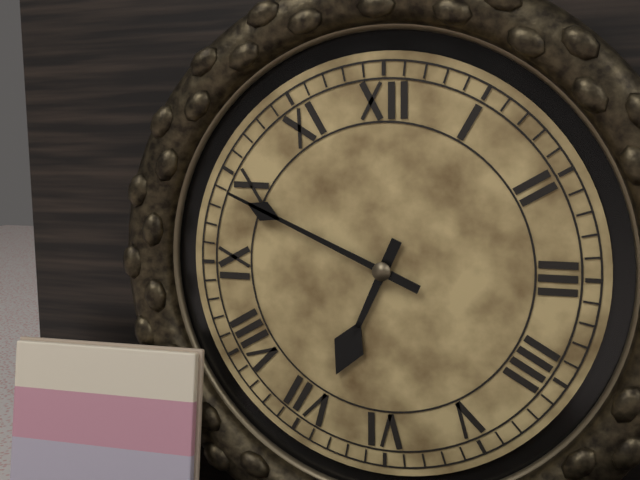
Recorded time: 6.49
